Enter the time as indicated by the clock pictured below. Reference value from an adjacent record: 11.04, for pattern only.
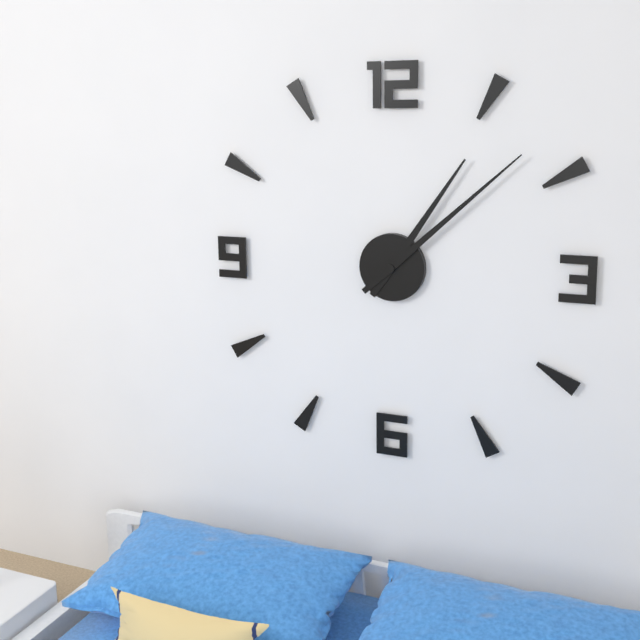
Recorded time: 1.08
